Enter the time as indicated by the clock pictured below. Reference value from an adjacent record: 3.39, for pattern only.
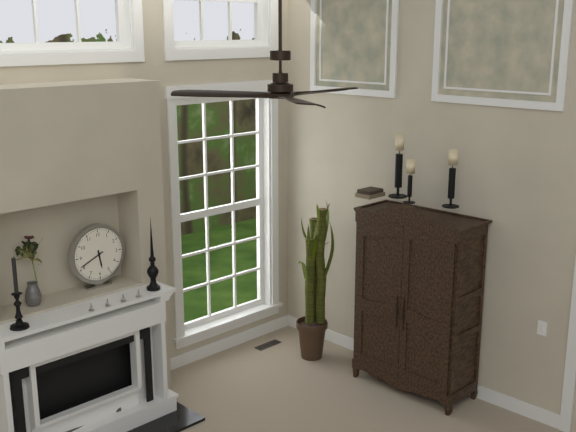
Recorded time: 5.41
